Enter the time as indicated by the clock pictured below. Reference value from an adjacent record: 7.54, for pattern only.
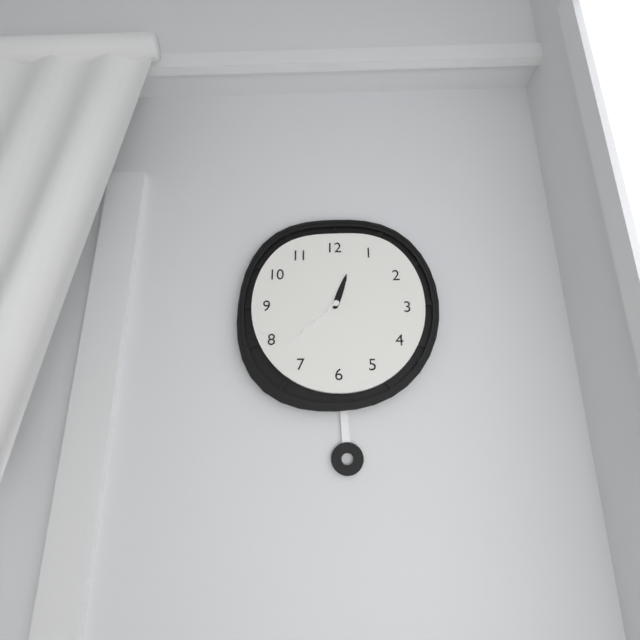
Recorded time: 12.38
